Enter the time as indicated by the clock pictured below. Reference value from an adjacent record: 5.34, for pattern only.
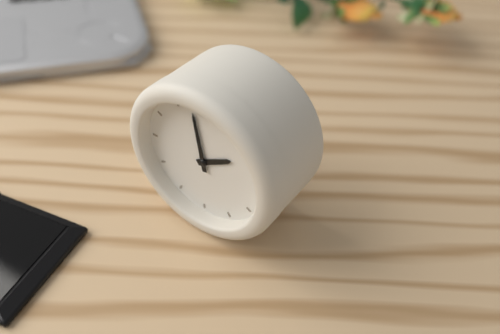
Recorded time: 1.58
